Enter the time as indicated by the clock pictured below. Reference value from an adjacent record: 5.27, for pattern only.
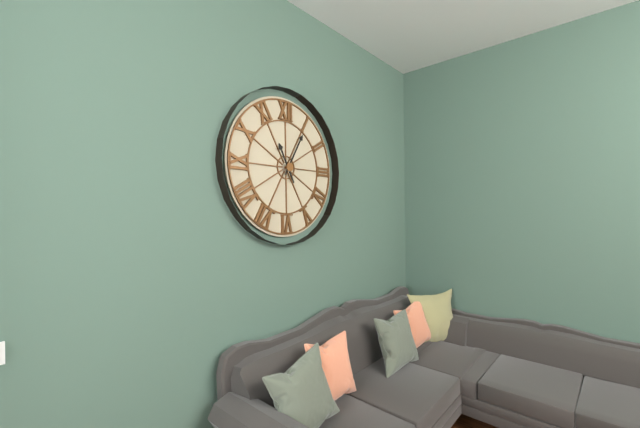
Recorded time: 11.05
